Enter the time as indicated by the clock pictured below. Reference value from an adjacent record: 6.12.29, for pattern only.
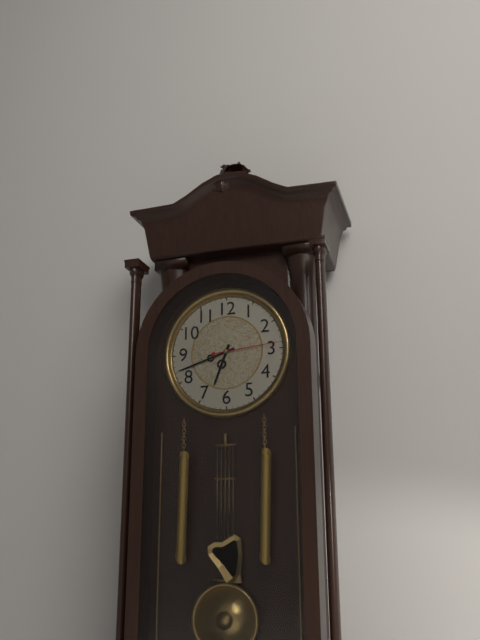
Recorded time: 6.42.14
